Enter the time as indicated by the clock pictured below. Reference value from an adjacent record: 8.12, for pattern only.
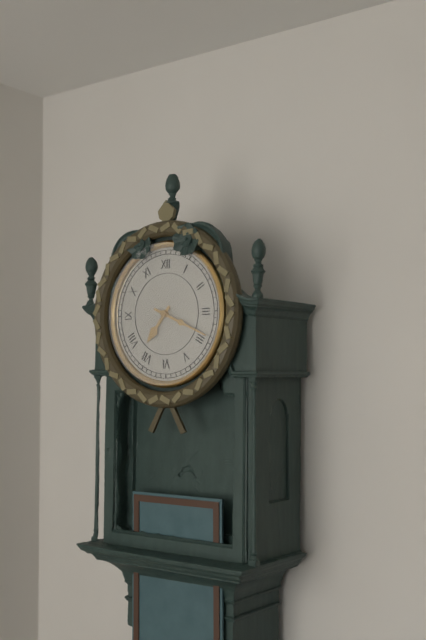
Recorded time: 7.19
